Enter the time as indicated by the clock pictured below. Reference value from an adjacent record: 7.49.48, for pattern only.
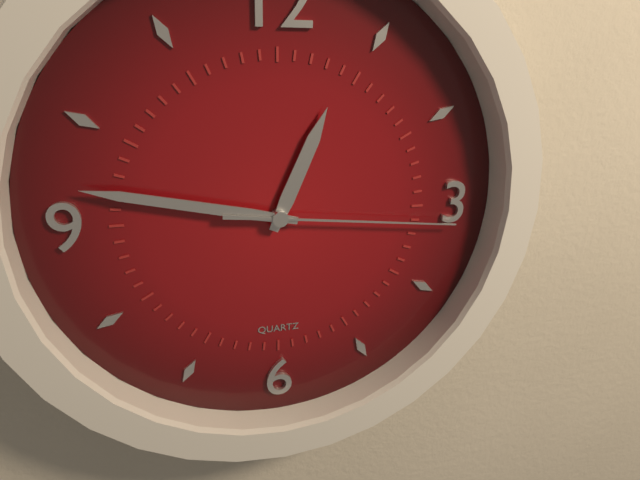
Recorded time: 12.47.16
